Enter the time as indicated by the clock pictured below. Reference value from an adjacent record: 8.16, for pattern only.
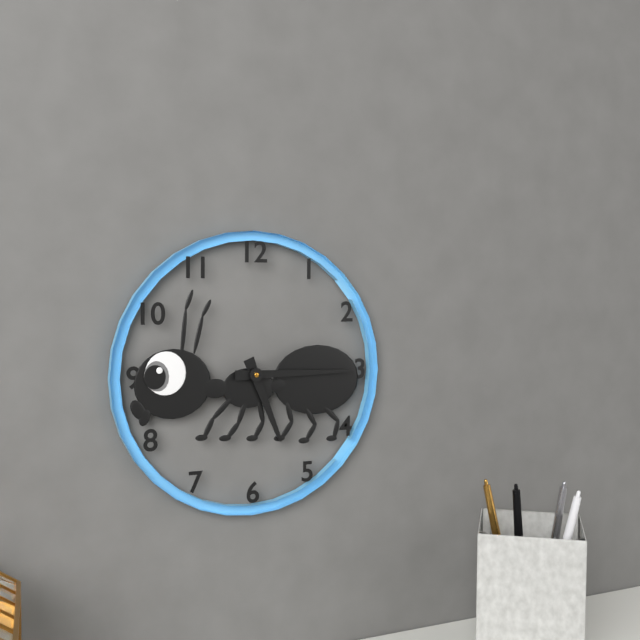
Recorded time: 5.15
